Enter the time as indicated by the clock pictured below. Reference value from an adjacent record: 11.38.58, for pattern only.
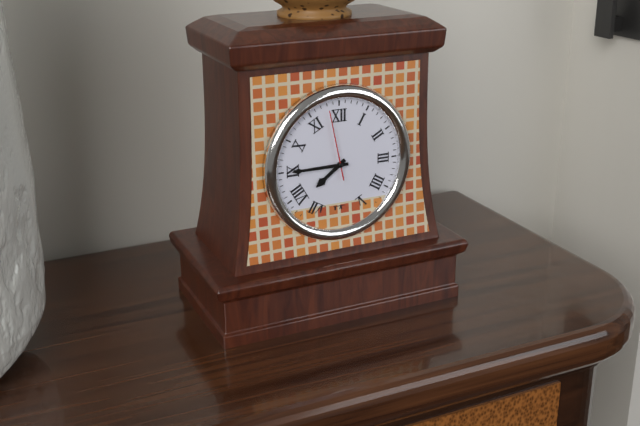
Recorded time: 7.45.58
